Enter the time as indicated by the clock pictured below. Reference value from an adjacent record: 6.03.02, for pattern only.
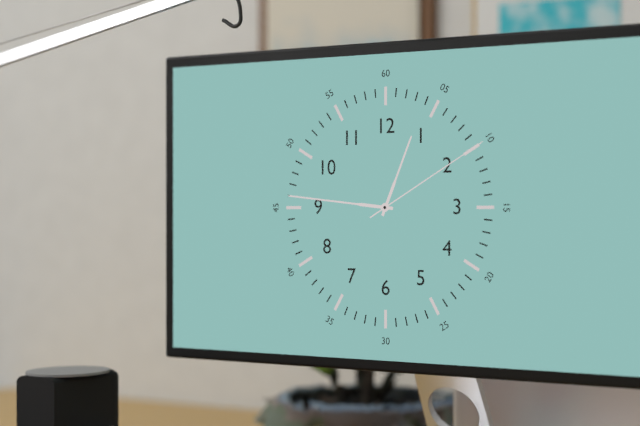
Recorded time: 12.46.10
